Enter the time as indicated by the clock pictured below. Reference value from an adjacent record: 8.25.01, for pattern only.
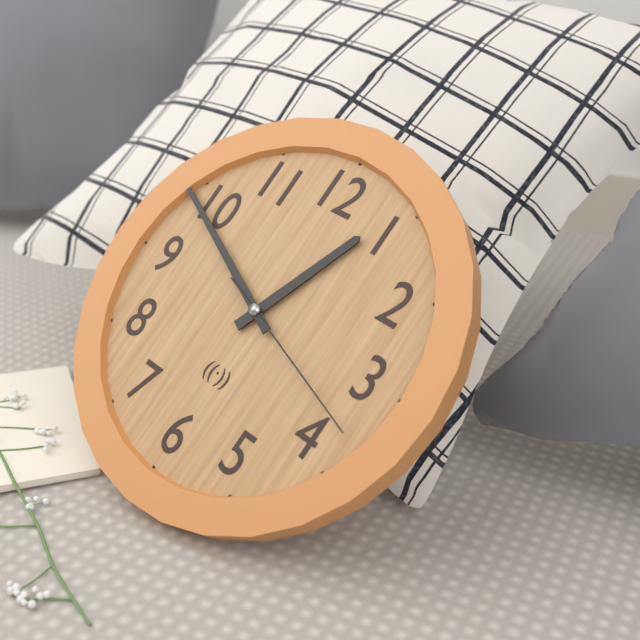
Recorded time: 12.49.18
